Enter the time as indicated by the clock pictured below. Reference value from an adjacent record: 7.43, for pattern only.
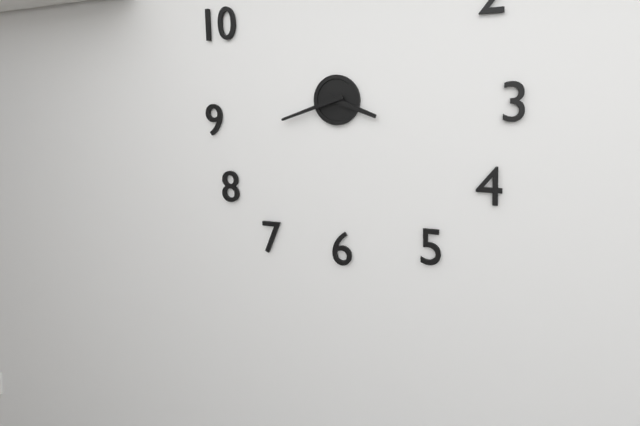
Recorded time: 3.42
